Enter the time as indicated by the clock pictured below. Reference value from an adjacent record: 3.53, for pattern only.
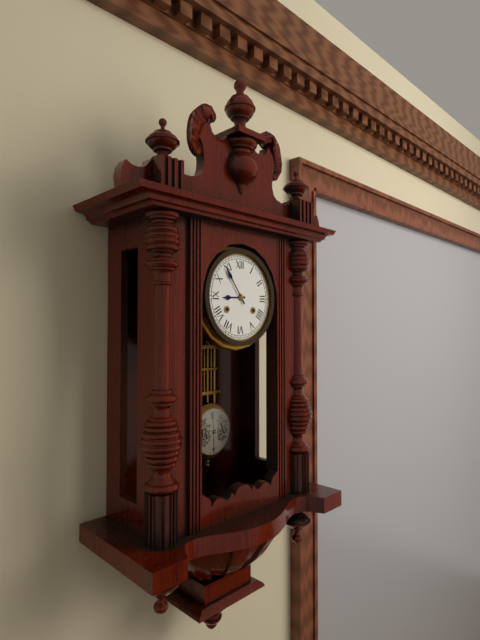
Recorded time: 8.54
